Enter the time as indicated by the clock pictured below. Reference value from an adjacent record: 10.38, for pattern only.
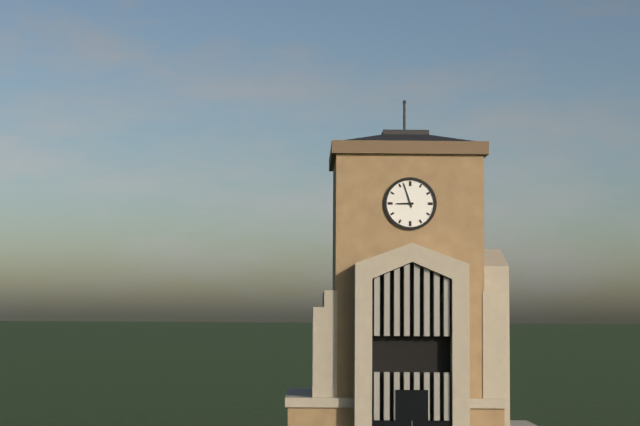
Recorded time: 8.57
